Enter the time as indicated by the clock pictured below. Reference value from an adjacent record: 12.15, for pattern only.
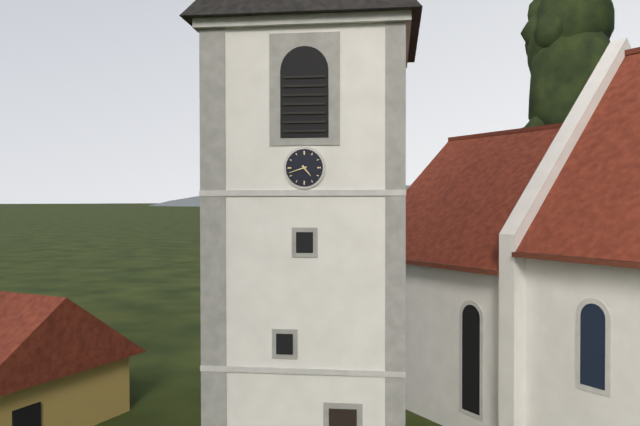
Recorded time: 4.42
